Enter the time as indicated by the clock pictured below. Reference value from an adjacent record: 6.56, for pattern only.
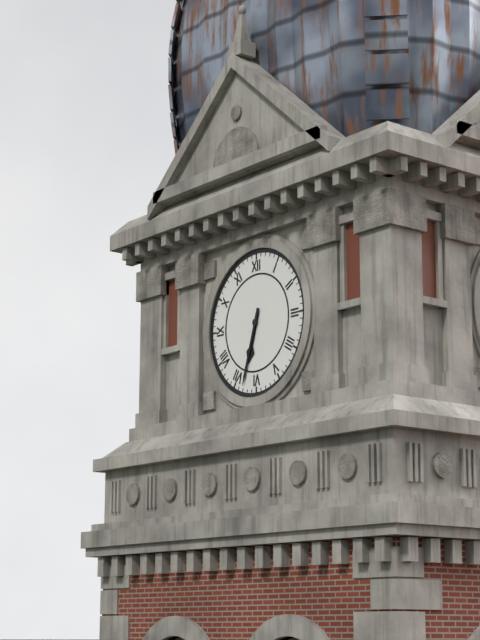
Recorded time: 6.33
